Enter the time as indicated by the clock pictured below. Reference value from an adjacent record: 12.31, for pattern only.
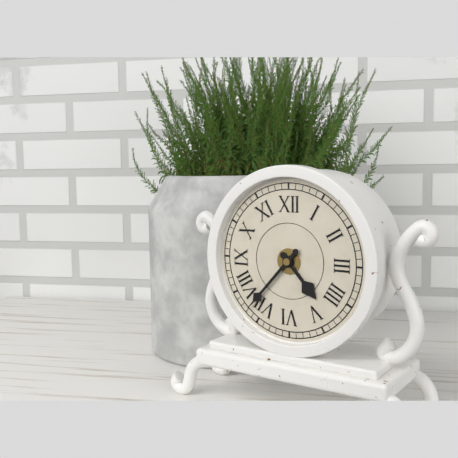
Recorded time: 4.37
